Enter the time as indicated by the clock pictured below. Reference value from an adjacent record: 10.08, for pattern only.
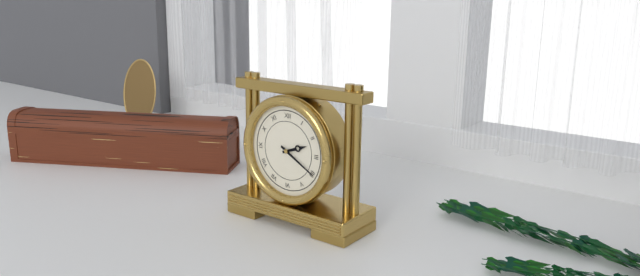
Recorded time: 2.20
